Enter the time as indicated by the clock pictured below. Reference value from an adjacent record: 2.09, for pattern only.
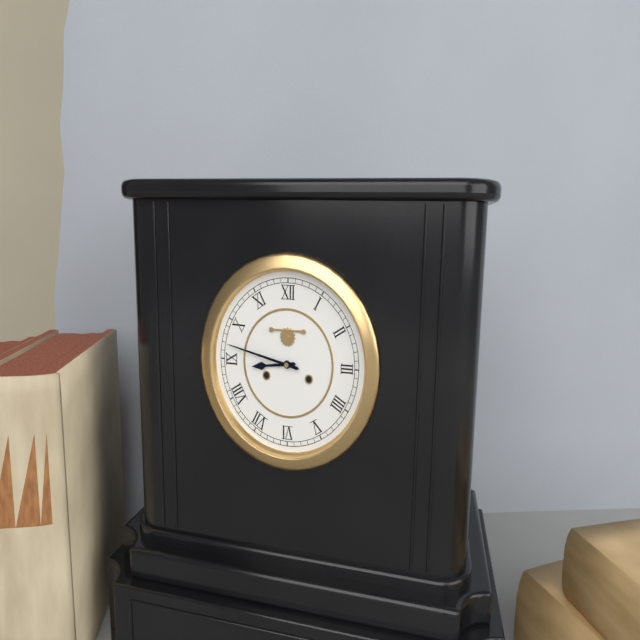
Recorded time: 8.47
